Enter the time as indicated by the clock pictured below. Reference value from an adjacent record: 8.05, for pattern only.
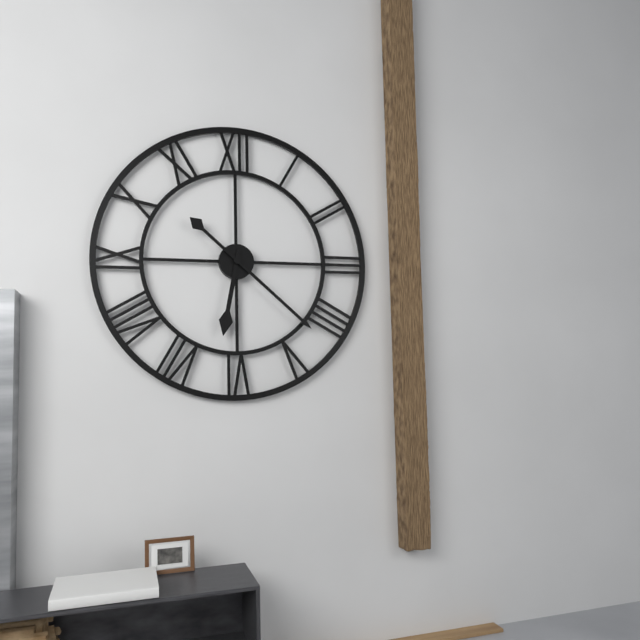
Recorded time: 6.22
